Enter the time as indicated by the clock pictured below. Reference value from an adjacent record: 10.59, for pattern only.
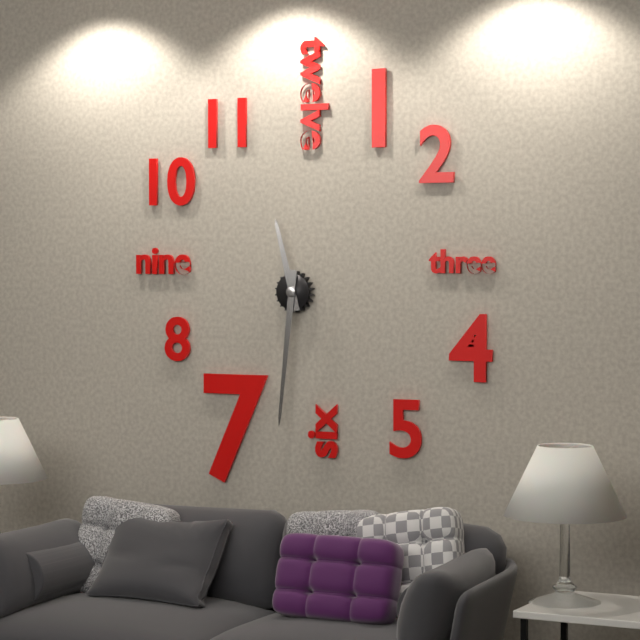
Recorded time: 11.31
